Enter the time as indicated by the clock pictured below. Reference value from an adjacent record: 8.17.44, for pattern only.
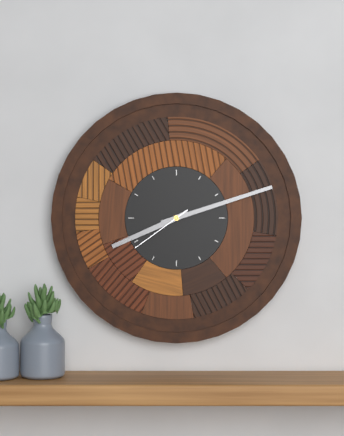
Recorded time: 8.12.39
